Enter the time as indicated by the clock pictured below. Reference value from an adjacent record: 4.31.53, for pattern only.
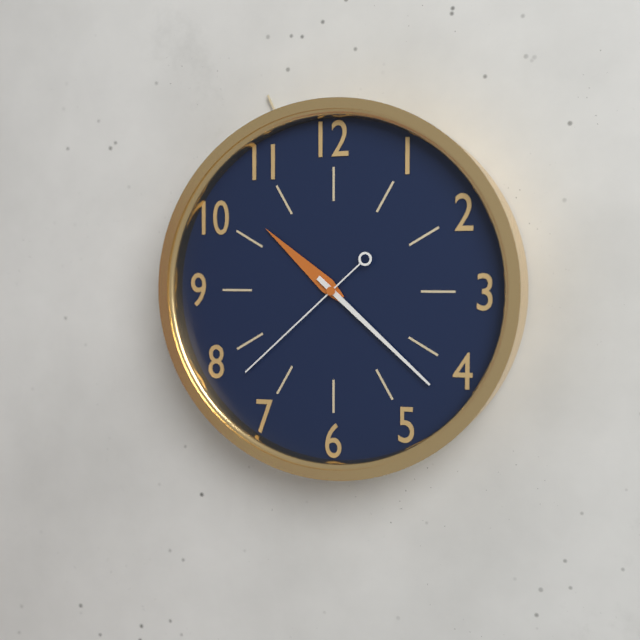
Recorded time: 10.22.38
